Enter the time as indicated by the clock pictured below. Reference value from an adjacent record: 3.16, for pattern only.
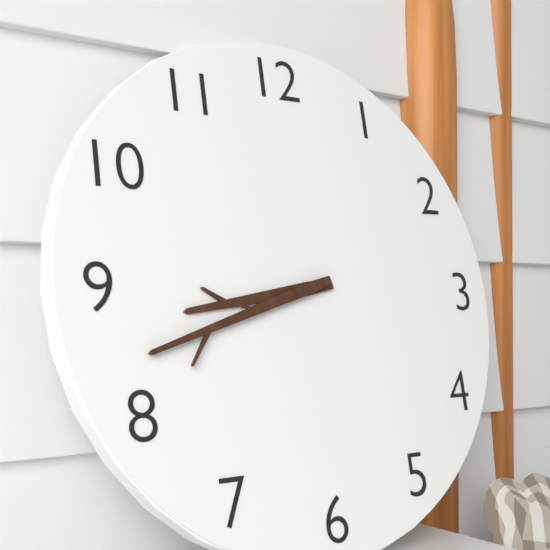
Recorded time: 8.42
